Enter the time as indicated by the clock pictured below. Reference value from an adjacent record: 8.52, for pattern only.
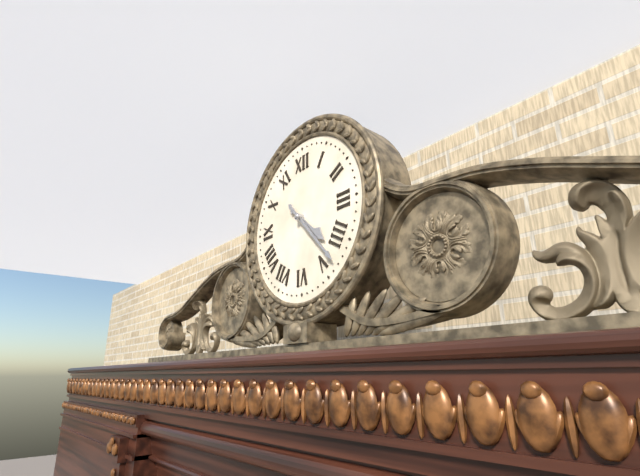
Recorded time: 4.23
